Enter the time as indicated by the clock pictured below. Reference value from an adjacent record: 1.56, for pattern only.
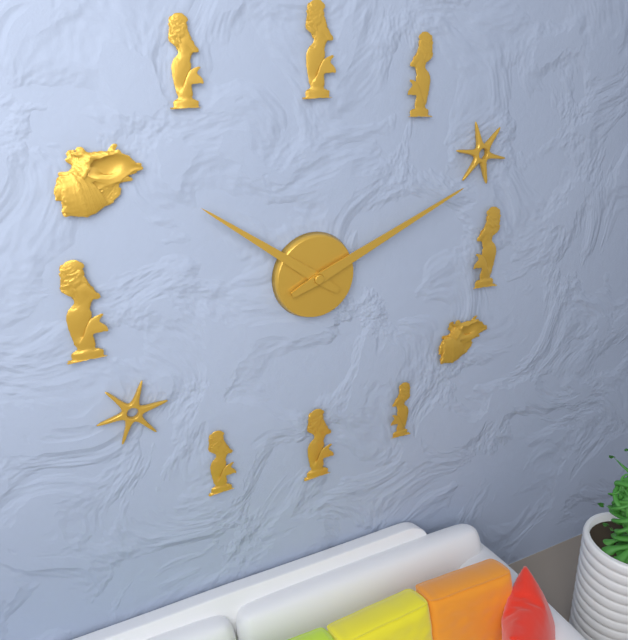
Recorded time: 10.11
